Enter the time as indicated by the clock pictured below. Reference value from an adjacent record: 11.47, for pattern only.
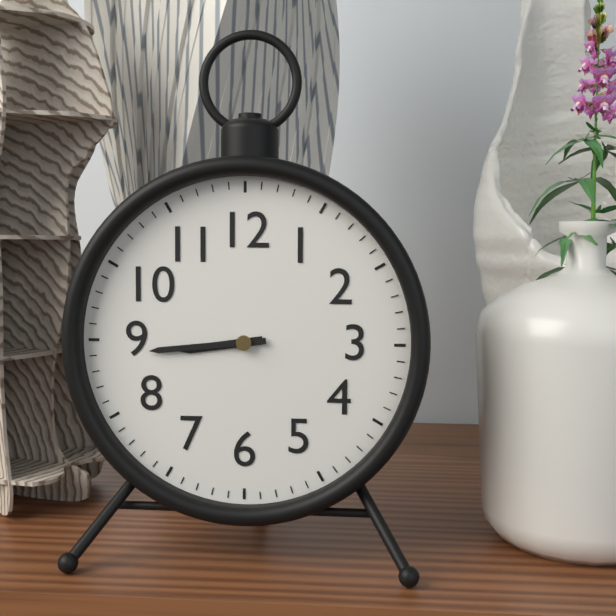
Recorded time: 8.44
